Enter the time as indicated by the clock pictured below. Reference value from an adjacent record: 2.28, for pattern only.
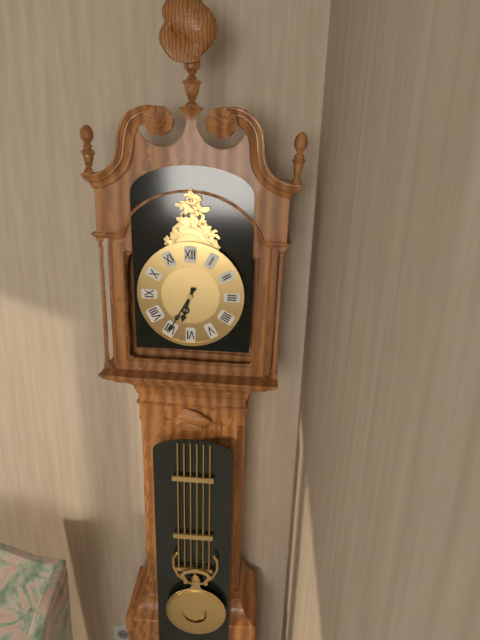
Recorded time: 6.35
